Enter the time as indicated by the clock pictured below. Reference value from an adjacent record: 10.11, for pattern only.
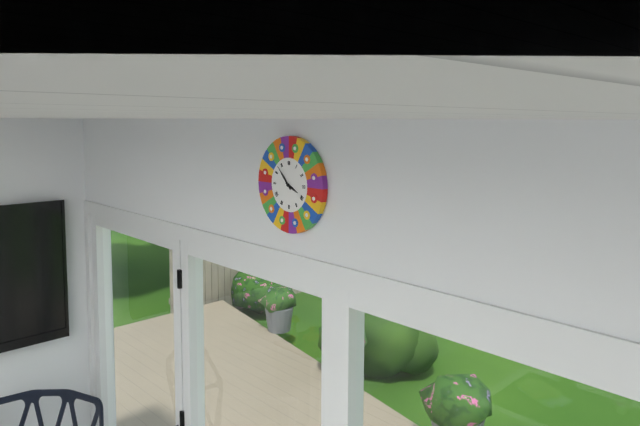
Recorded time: 3.53
